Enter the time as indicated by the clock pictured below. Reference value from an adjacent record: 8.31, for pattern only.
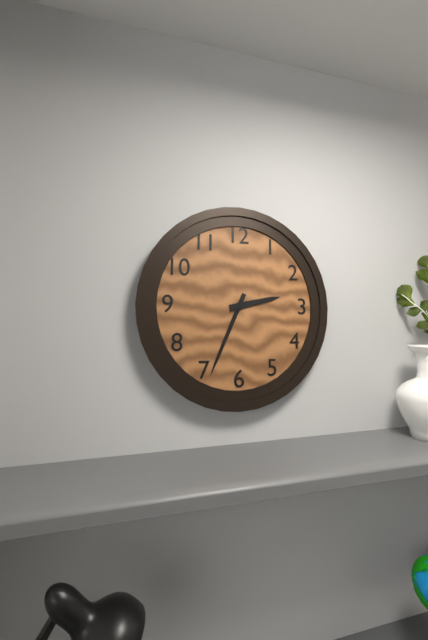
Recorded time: 2.34
